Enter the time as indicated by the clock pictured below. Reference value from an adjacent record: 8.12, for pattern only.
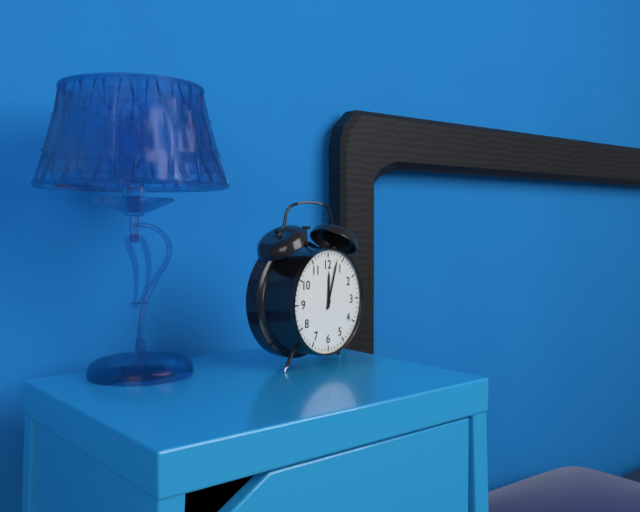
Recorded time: 12.03
